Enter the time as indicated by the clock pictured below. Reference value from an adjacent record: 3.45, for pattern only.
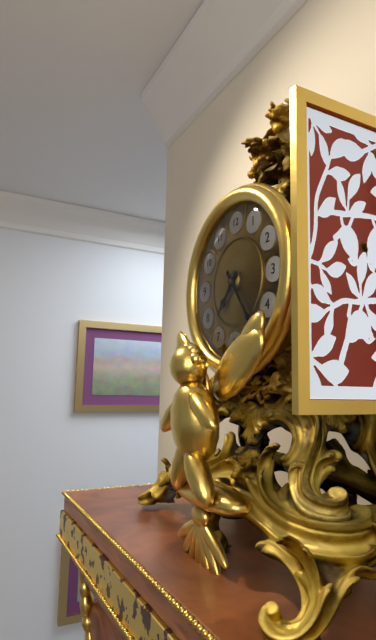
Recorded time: 7.24
